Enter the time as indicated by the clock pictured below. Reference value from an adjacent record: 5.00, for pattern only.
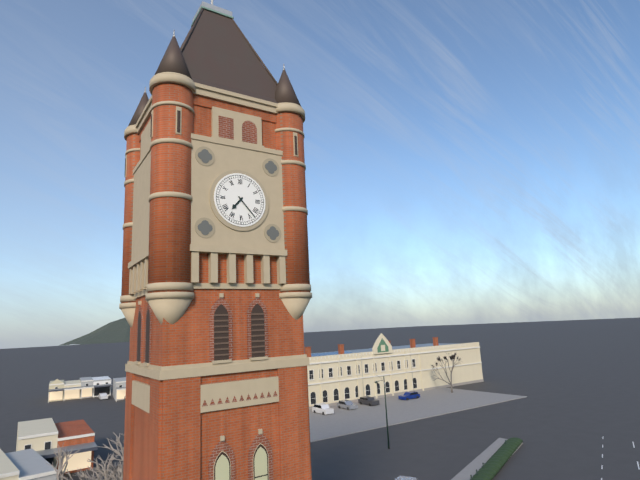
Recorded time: 7.23
